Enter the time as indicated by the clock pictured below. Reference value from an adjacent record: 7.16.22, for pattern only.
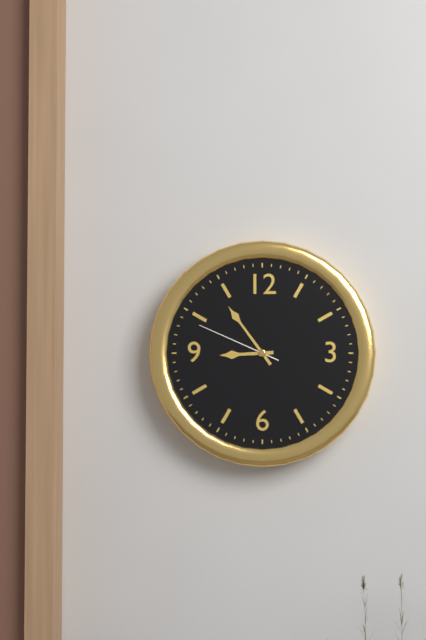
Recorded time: 8.54.49
